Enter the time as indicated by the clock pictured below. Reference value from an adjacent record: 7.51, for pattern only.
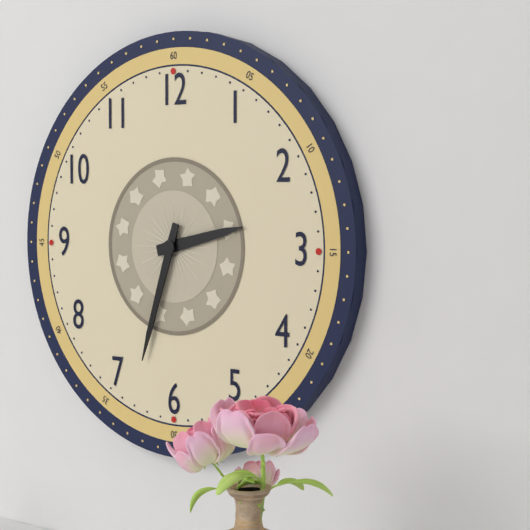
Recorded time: 2.33
